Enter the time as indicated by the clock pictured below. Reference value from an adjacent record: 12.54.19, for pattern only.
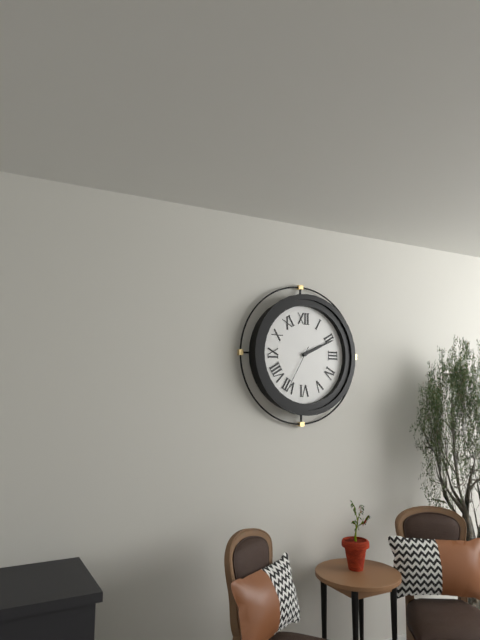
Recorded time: 2.11.35
